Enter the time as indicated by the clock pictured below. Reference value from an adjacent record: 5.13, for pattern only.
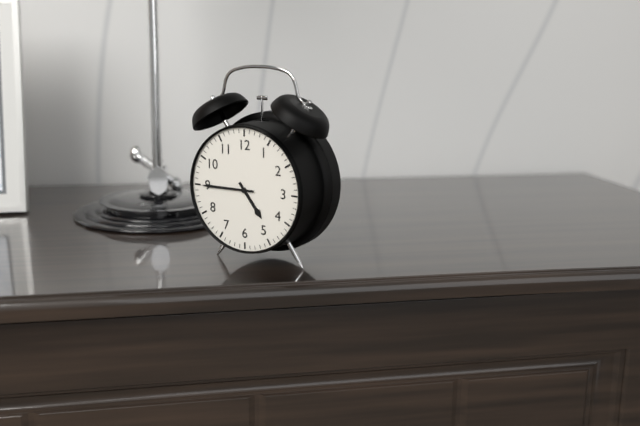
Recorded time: 4.45
